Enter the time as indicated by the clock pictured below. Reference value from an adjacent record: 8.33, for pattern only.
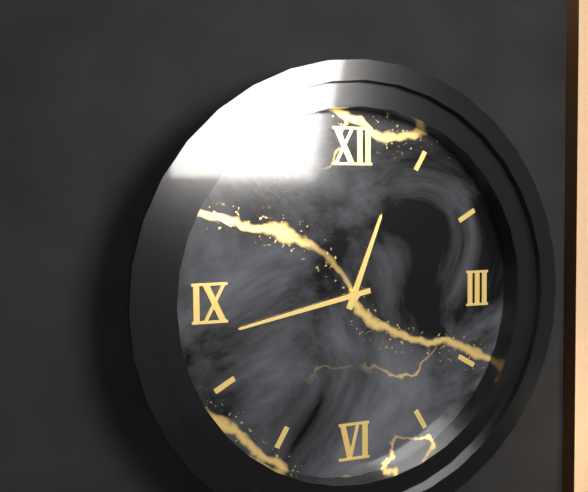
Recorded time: 12.43
